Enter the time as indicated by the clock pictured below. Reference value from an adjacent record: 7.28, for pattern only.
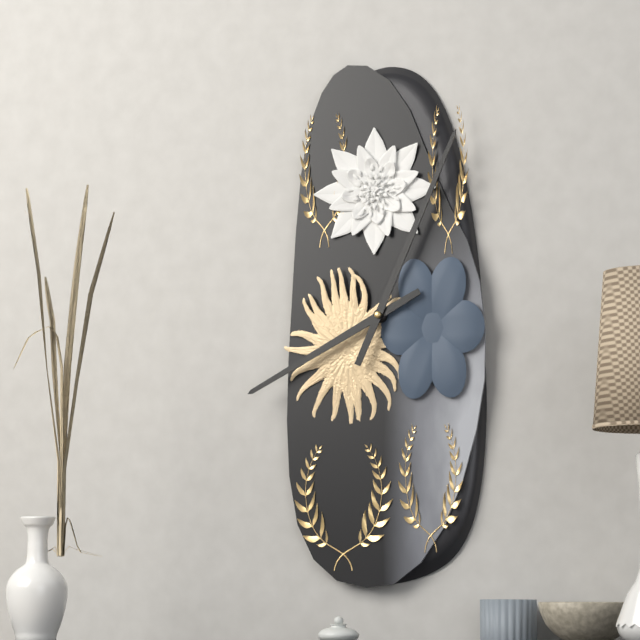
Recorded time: 8.04
